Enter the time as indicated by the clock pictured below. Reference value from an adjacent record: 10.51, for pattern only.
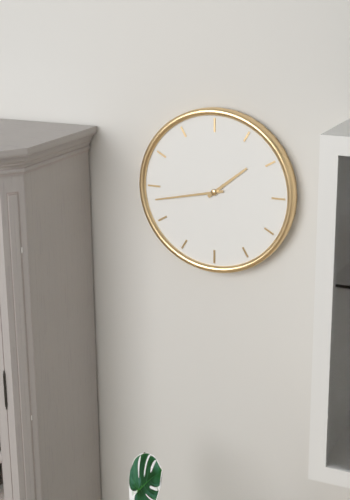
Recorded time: 1.43
